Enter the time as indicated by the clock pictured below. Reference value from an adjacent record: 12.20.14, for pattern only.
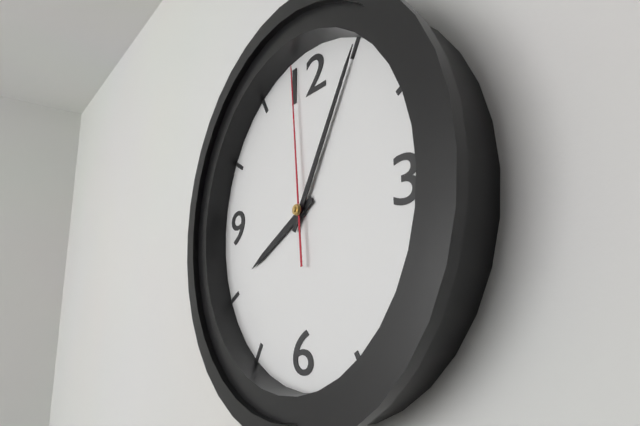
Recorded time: 8.05.59
